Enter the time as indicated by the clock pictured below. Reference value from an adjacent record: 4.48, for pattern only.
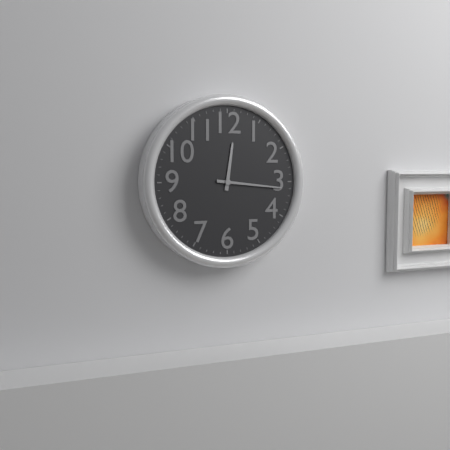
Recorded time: 12.16
